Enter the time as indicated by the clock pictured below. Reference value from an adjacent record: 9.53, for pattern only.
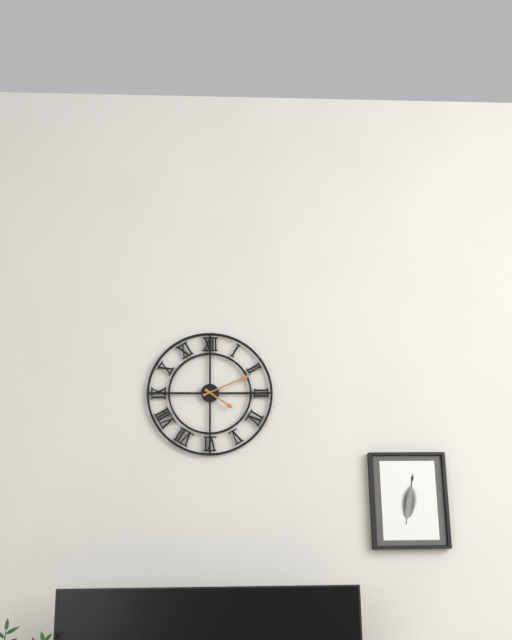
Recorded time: 4.11
